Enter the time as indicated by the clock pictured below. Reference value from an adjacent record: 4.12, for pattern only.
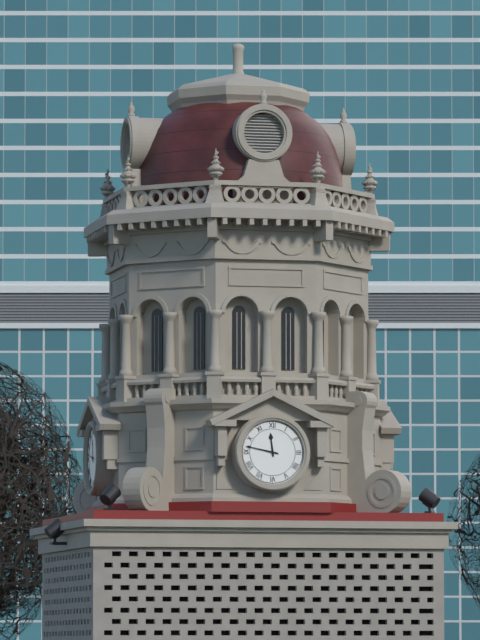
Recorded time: 11.47
